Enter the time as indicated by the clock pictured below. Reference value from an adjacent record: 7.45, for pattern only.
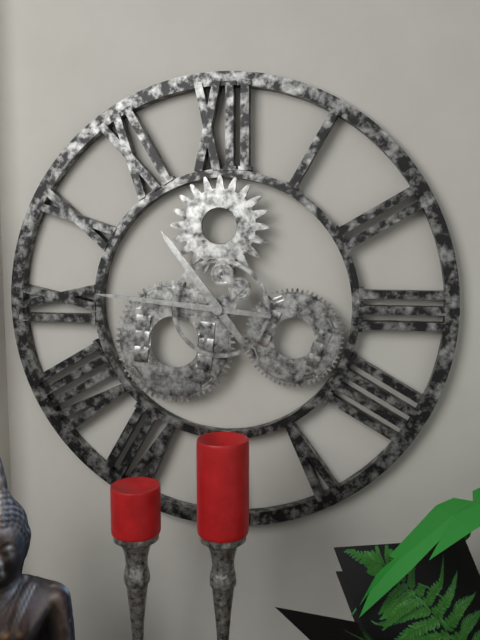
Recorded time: 10.46
